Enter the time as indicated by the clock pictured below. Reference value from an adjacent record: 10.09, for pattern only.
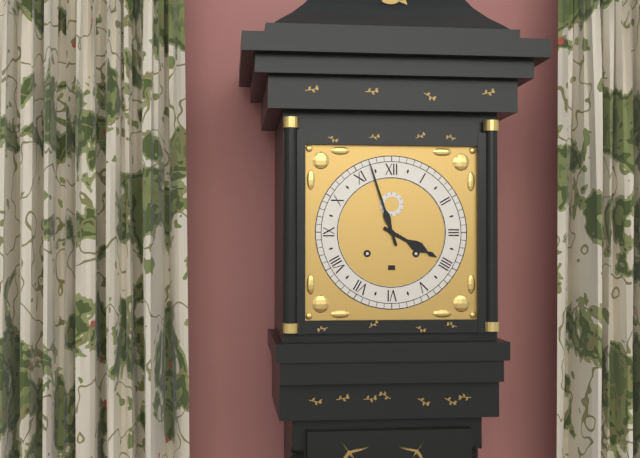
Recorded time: 3.57
